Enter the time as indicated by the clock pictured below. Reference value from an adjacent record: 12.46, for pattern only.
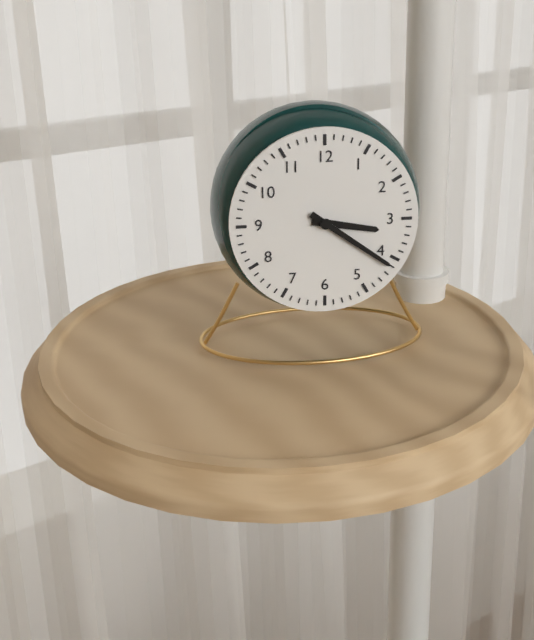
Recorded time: 3.21
